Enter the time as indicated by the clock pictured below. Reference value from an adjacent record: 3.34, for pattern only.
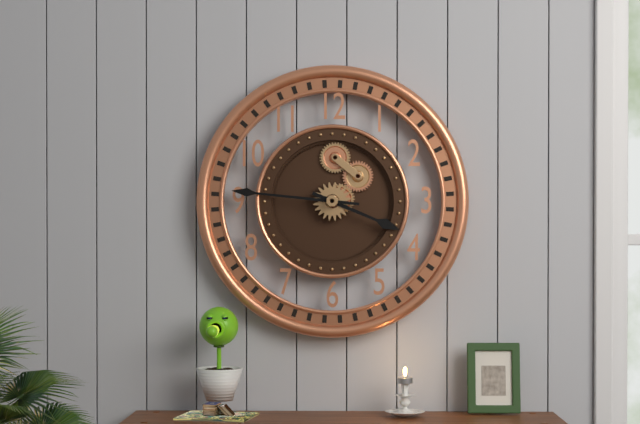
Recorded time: 3.46
